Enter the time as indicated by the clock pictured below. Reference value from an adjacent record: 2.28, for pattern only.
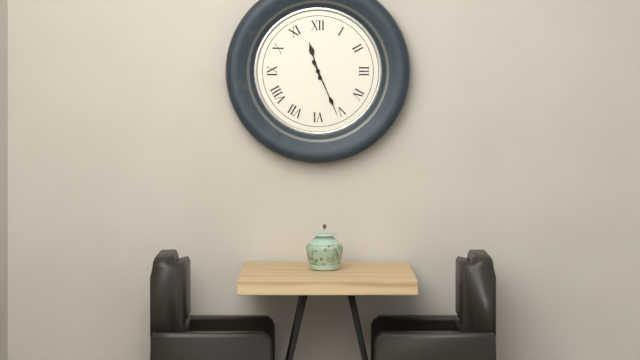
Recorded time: 11.26
